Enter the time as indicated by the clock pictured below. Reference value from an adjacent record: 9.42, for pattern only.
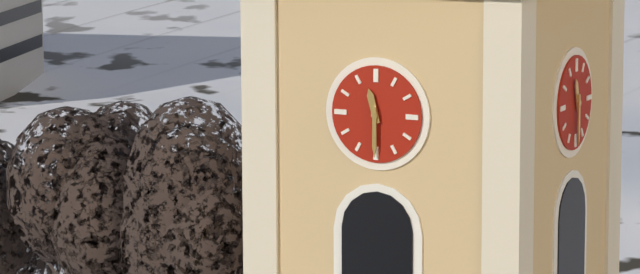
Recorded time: 11.30
